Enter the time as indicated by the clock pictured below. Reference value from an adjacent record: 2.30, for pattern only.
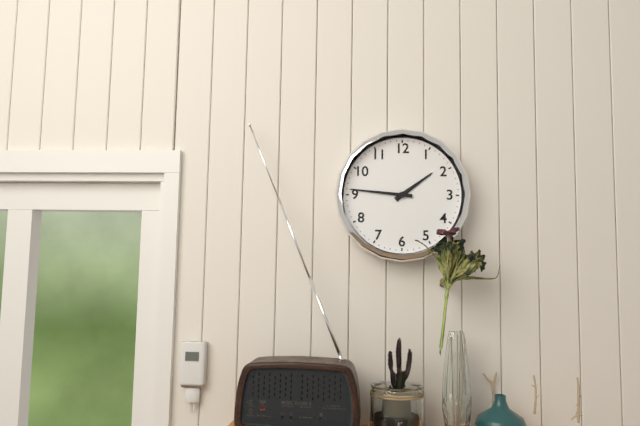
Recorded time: 1.46
